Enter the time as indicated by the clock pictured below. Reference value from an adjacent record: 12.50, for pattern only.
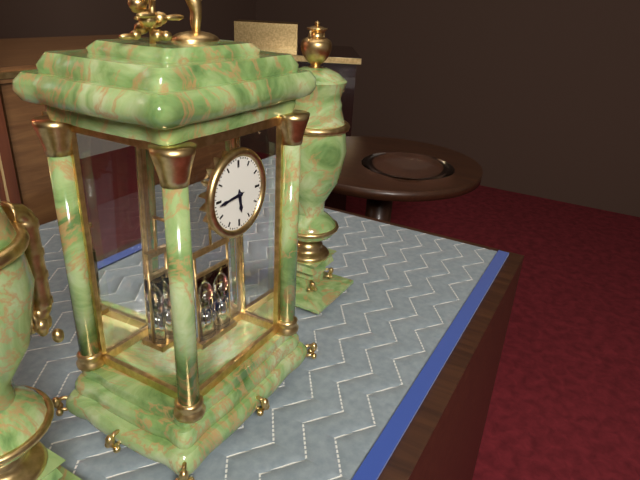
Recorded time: 5.44
